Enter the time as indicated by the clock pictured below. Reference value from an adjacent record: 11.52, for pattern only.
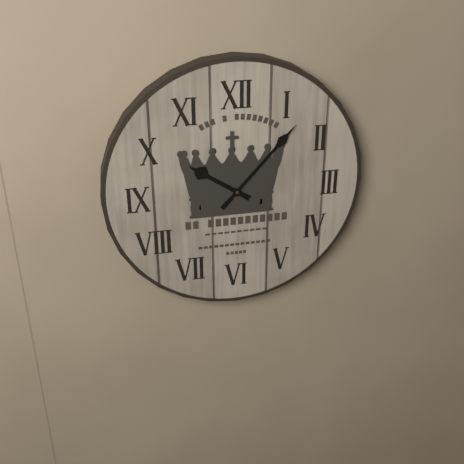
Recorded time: 10.07
